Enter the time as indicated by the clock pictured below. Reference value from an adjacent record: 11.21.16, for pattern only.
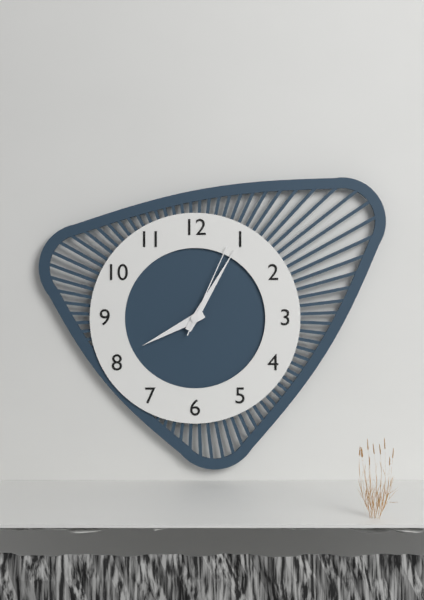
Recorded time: 8.05.04
